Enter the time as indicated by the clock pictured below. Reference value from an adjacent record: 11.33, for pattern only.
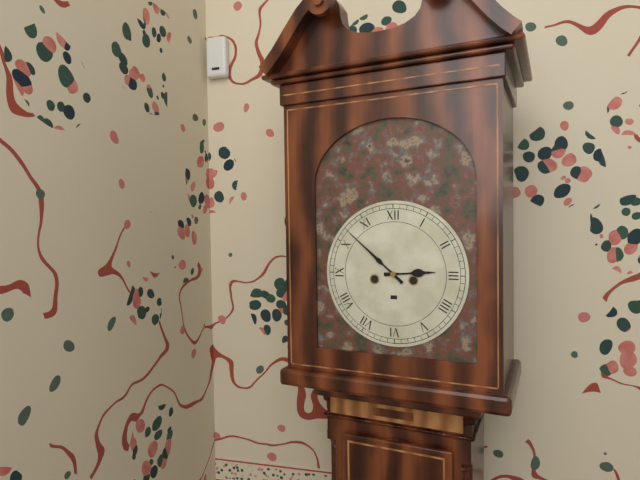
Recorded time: 2.52
